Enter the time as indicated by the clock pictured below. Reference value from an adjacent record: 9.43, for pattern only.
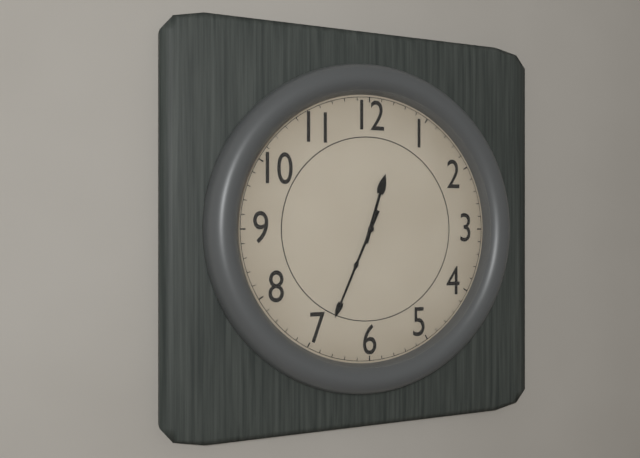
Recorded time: 12.34
